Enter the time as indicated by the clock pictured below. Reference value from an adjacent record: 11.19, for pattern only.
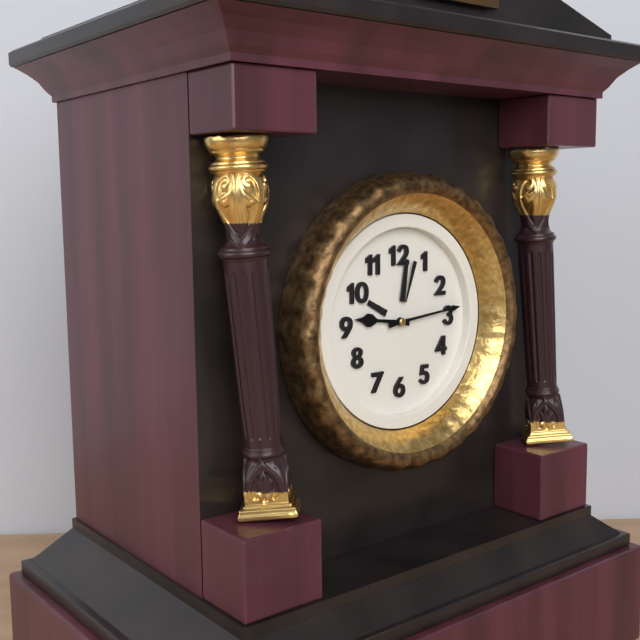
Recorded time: 9.14
